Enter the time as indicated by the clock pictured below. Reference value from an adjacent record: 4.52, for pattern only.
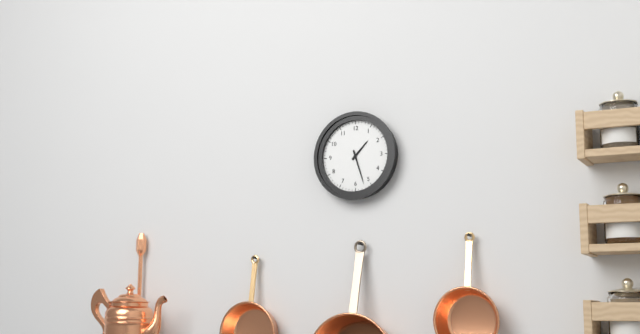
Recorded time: 1.27
